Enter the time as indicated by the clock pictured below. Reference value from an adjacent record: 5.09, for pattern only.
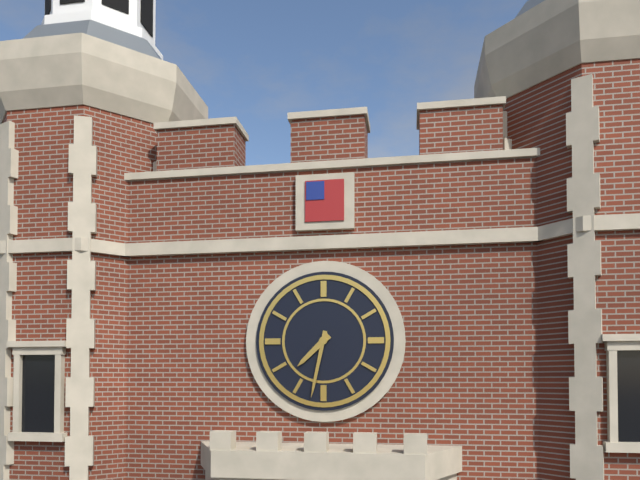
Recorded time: 7.32
